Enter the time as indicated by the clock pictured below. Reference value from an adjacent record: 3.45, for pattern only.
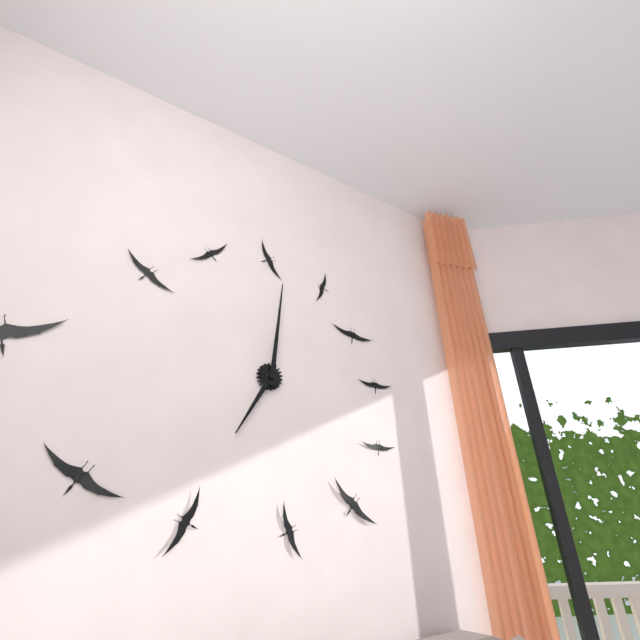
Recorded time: 7.01
